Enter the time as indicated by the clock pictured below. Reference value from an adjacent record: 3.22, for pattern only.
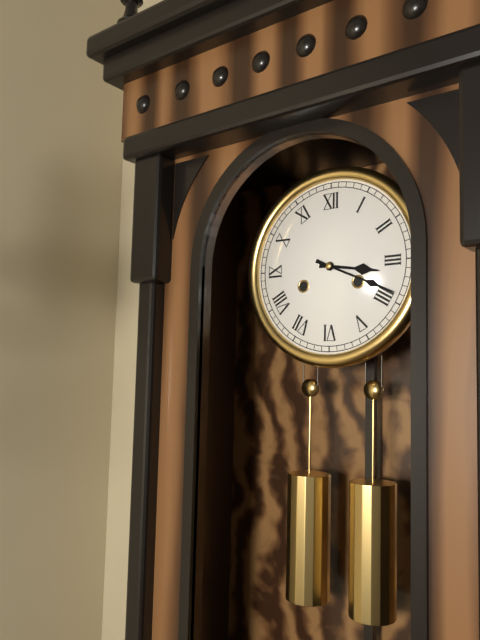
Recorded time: 3.19
